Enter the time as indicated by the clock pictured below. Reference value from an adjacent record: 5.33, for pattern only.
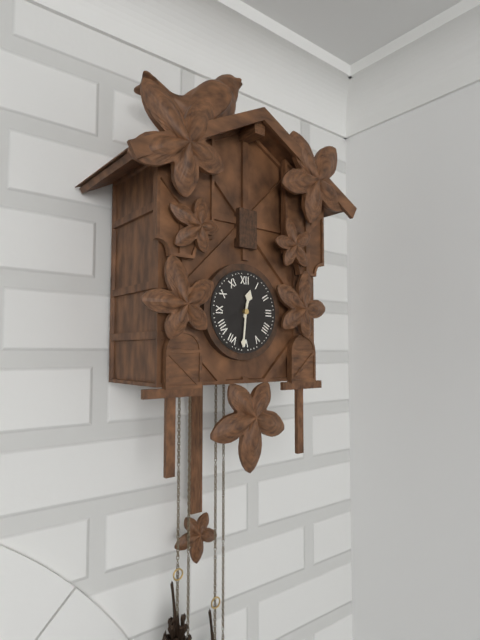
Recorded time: 12.31
